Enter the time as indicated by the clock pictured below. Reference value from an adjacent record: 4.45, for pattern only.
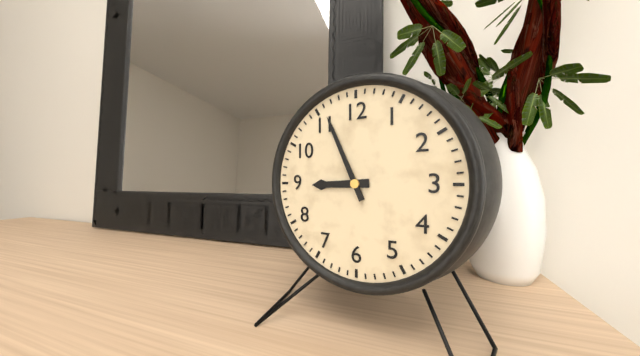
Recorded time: 8.56
